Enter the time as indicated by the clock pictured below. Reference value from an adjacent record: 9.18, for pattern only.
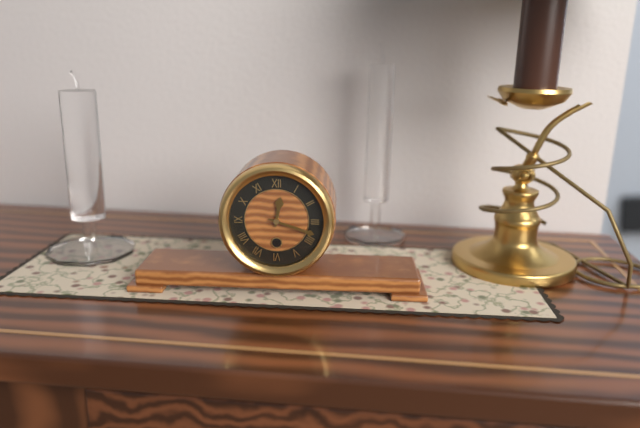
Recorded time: 12.18
